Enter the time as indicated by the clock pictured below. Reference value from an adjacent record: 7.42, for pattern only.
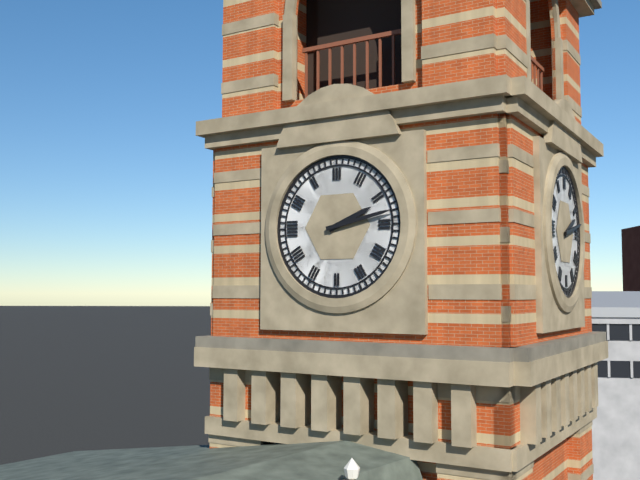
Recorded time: 2.13
